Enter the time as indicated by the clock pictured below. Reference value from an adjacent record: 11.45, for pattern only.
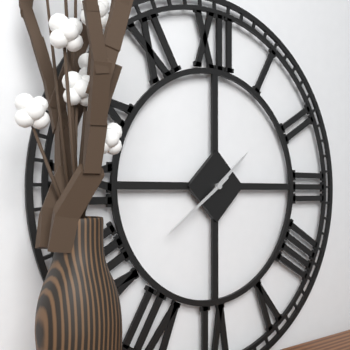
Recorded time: 1.39
